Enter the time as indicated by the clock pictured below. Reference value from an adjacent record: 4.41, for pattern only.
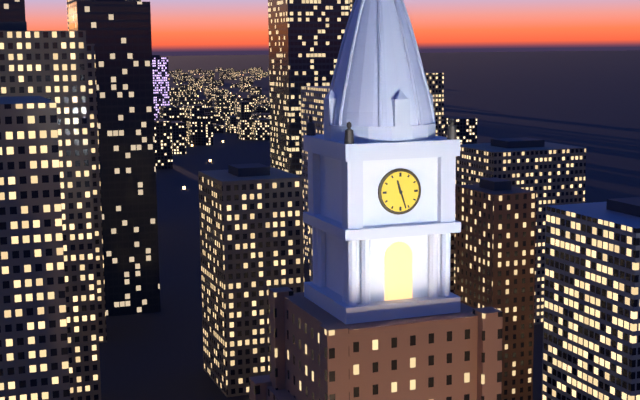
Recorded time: 11.27
